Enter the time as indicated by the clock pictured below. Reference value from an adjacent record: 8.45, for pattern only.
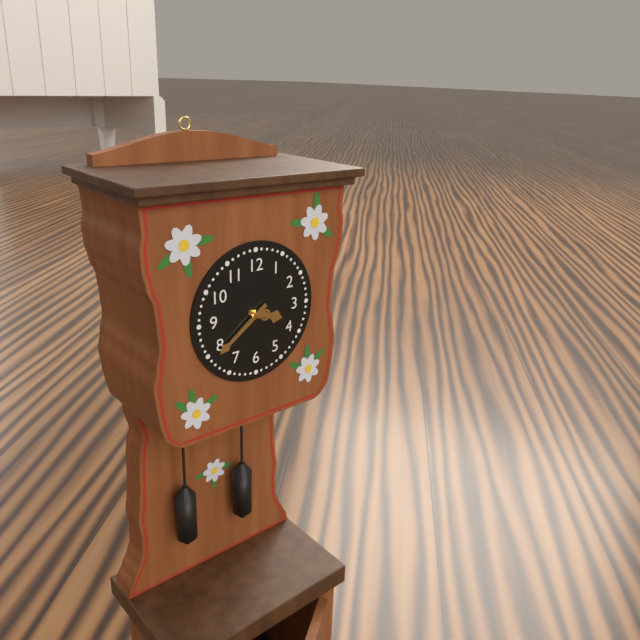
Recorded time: 3.39
